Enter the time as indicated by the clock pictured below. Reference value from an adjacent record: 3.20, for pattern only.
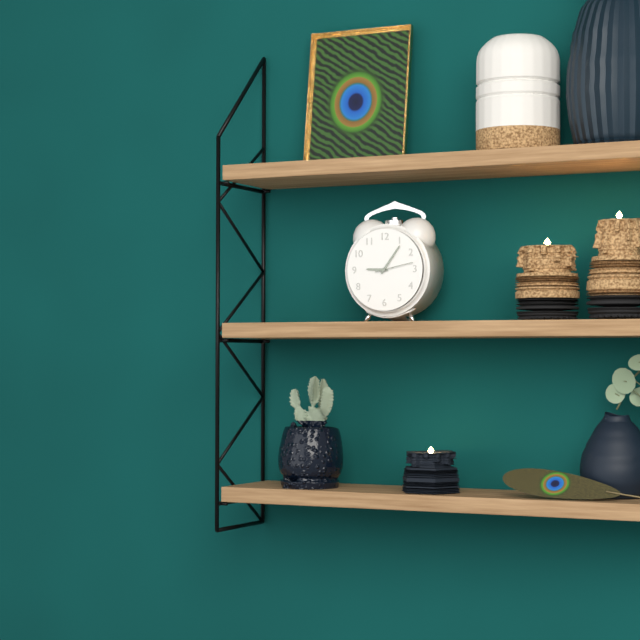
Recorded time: 9.06
